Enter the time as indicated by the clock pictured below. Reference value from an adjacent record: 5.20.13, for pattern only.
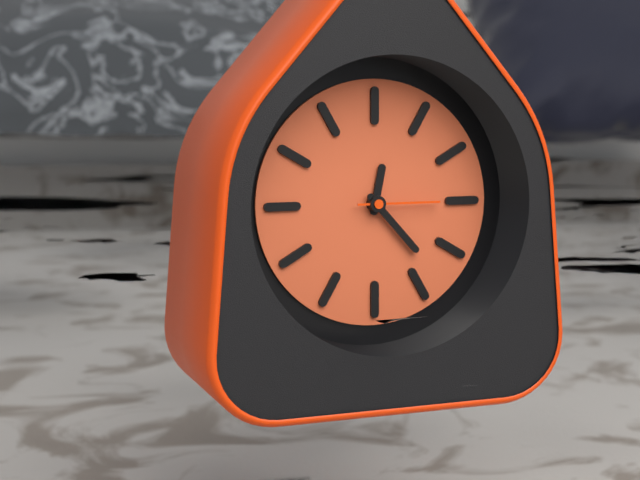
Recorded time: 12.23.15
